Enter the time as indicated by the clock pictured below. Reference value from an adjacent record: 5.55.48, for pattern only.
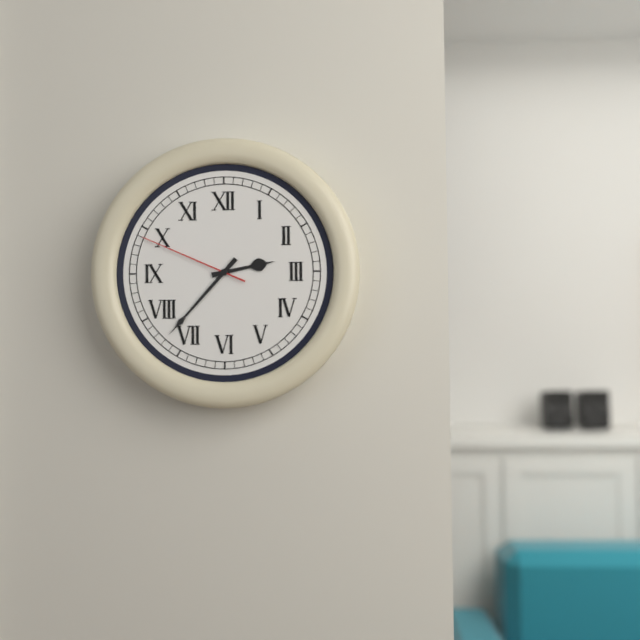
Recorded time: 2.37.49
